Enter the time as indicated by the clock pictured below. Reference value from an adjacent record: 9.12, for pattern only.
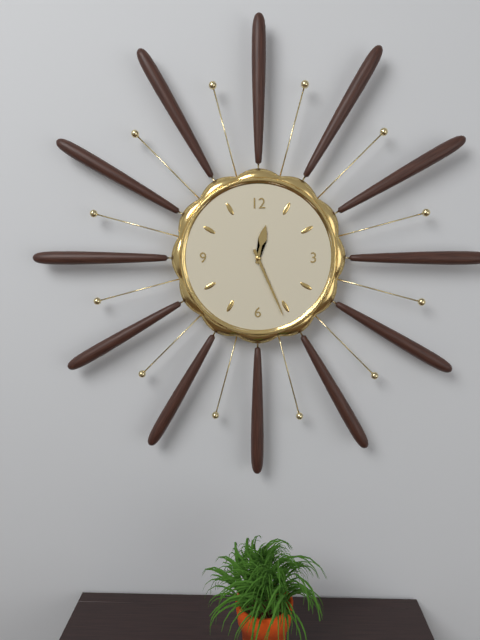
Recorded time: 12.26
